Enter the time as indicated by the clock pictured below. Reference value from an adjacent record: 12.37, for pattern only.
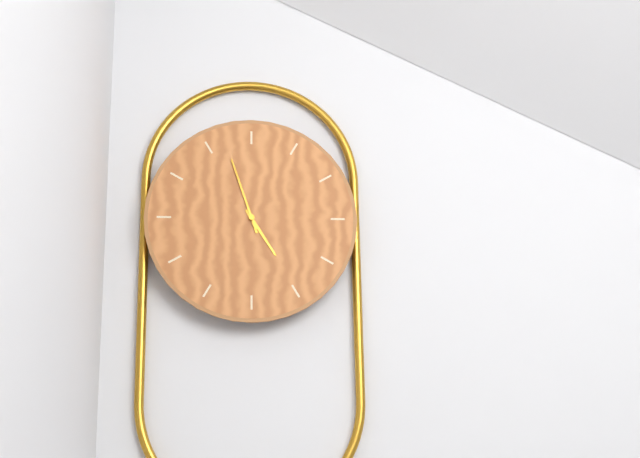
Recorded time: 4.57
